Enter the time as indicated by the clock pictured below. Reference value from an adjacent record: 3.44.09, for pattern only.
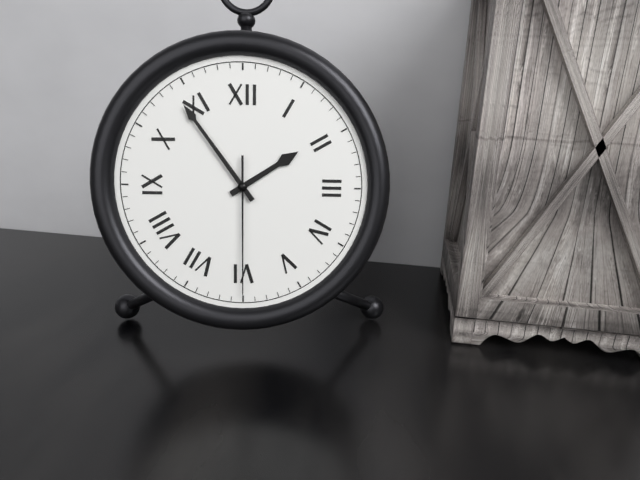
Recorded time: 1.54.30
